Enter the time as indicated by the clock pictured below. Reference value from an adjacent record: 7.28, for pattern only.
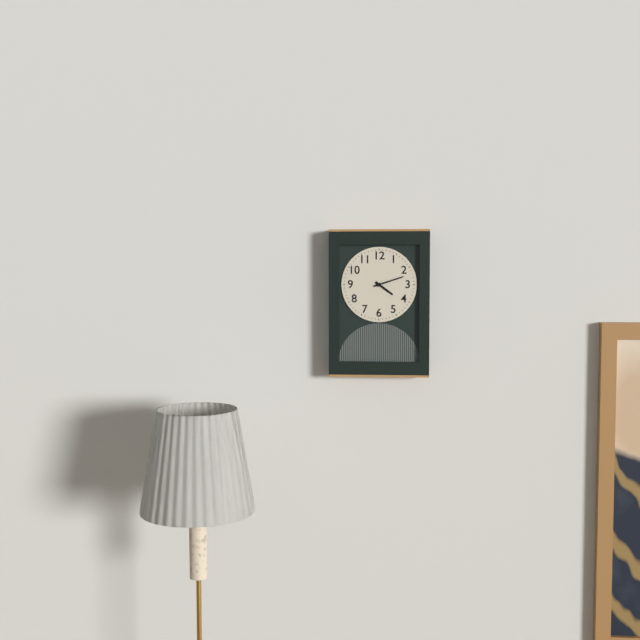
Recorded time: 4.12
